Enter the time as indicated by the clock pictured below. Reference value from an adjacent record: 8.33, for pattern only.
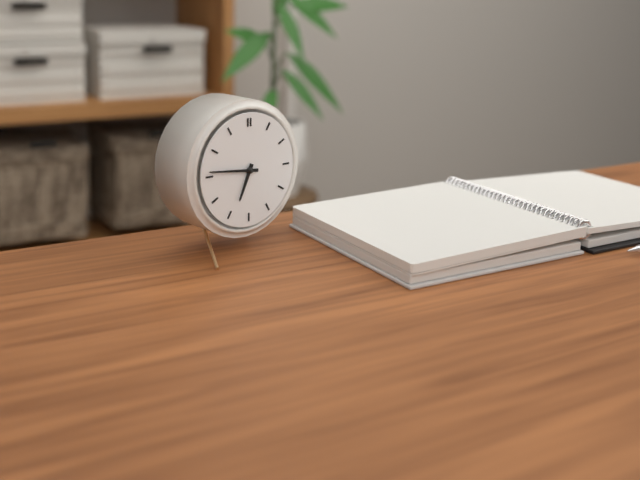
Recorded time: 6.46
